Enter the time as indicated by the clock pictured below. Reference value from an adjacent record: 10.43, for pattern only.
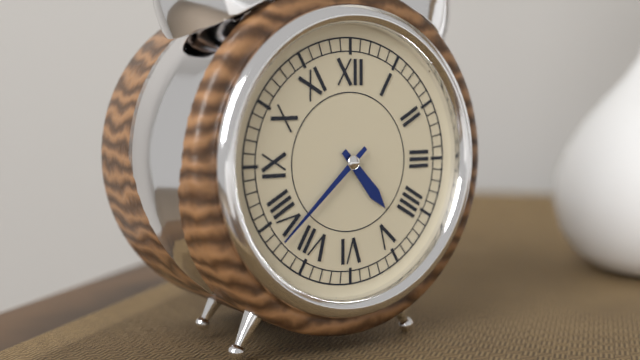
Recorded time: 4.38
